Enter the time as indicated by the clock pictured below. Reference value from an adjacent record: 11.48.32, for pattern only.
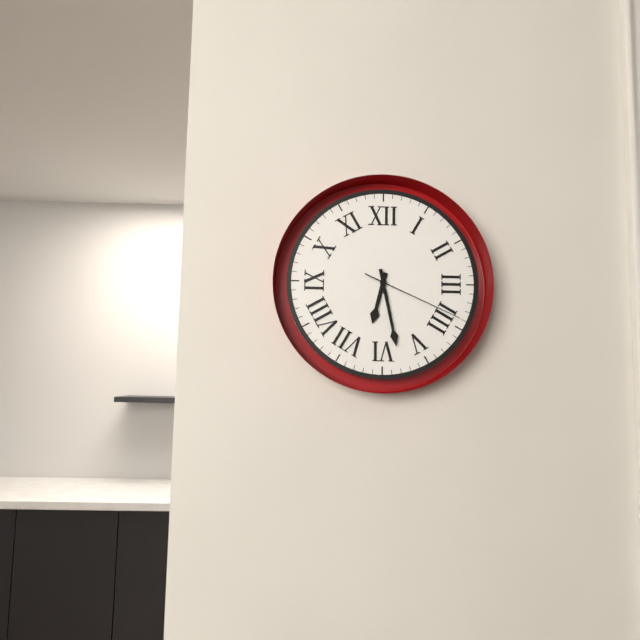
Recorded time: 6.28.19
